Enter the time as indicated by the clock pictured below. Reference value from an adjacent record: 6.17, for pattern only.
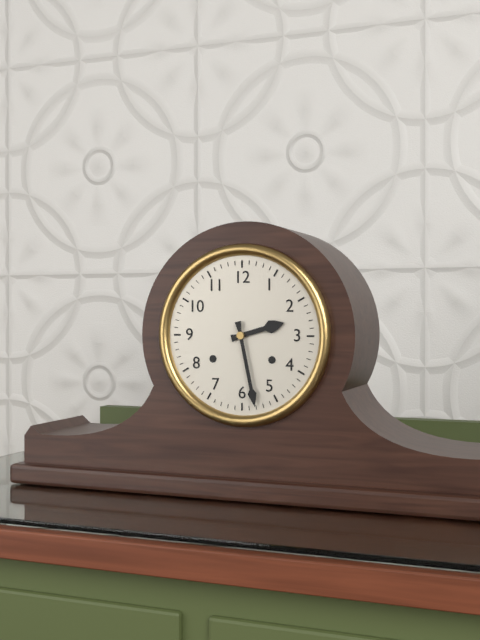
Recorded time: 2.28
